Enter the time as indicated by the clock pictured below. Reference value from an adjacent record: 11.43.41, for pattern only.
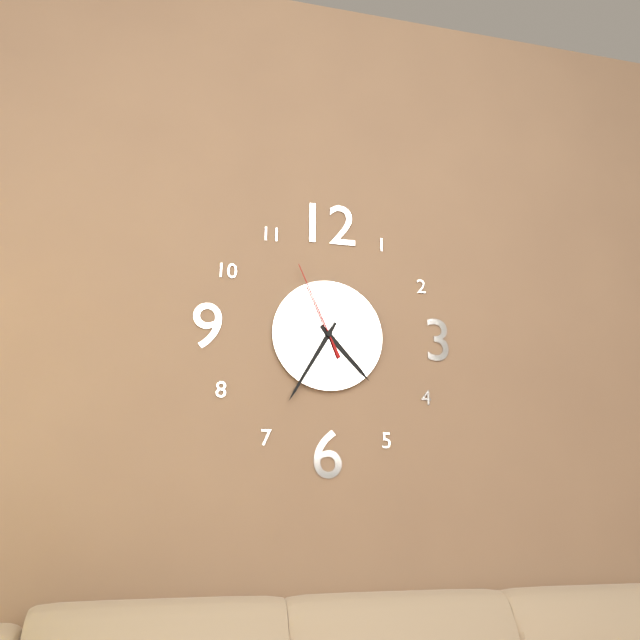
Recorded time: 4.35.56
